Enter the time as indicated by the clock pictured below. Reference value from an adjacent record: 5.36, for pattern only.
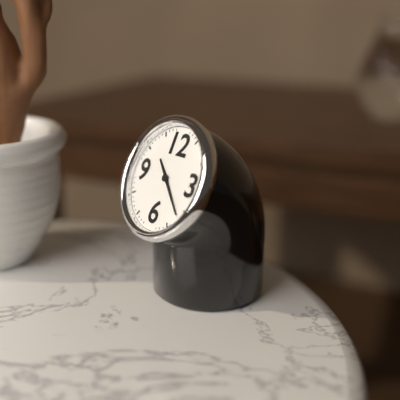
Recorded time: 10.22
